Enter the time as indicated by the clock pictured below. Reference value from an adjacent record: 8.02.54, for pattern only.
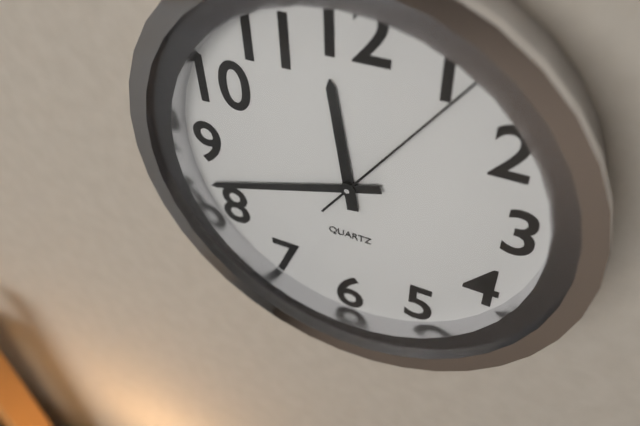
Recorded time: 11.42.06
